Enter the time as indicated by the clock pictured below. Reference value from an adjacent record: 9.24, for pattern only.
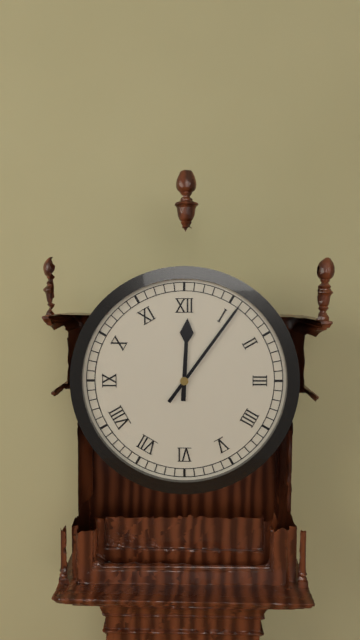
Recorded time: 12.06
